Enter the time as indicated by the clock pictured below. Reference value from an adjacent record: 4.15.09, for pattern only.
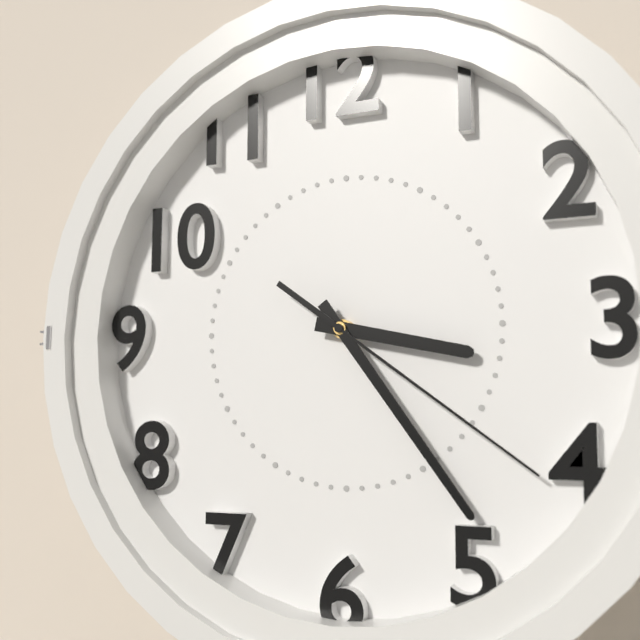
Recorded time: 3.24.21
